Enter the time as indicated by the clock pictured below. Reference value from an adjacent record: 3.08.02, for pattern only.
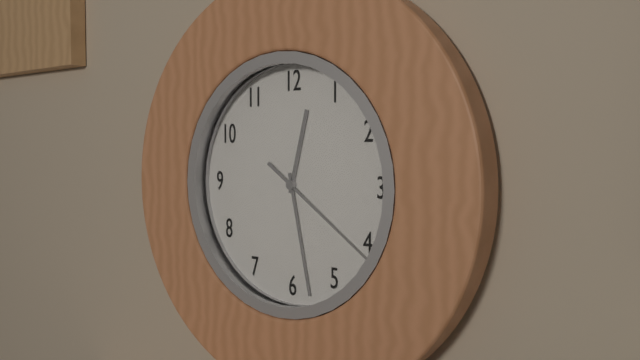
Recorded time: 12.28.21
